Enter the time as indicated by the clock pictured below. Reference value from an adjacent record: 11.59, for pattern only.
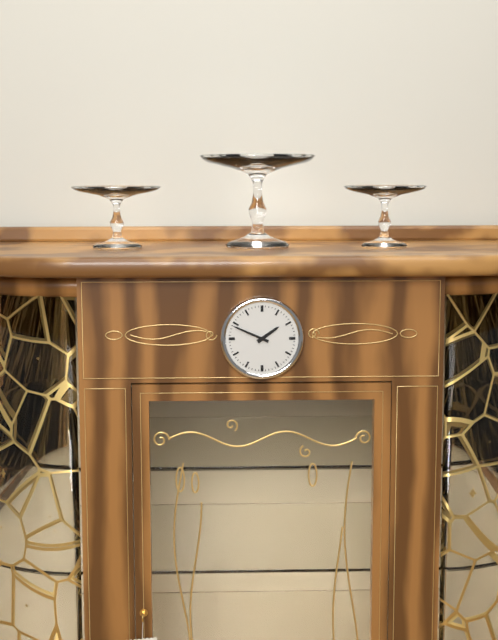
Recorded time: 1.49
